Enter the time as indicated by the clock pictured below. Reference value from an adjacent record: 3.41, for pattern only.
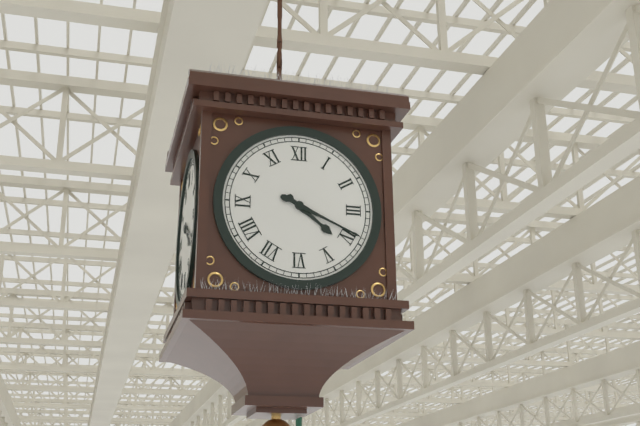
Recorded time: 4.19
